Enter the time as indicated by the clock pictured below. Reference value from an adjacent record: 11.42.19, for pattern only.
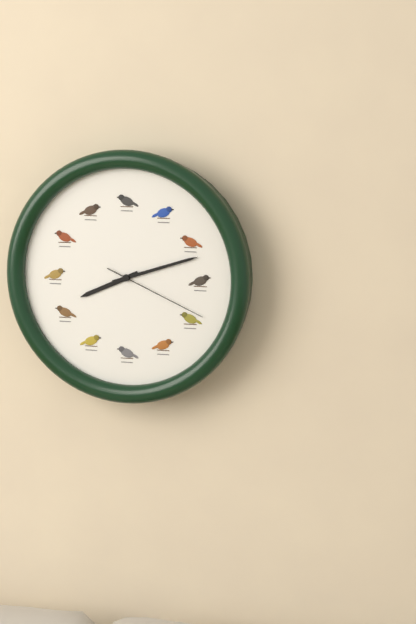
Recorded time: 8.12.19
